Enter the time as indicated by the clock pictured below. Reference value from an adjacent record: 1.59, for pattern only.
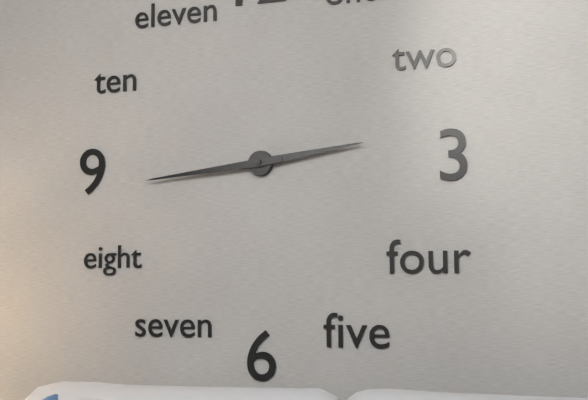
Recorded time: 2.44
